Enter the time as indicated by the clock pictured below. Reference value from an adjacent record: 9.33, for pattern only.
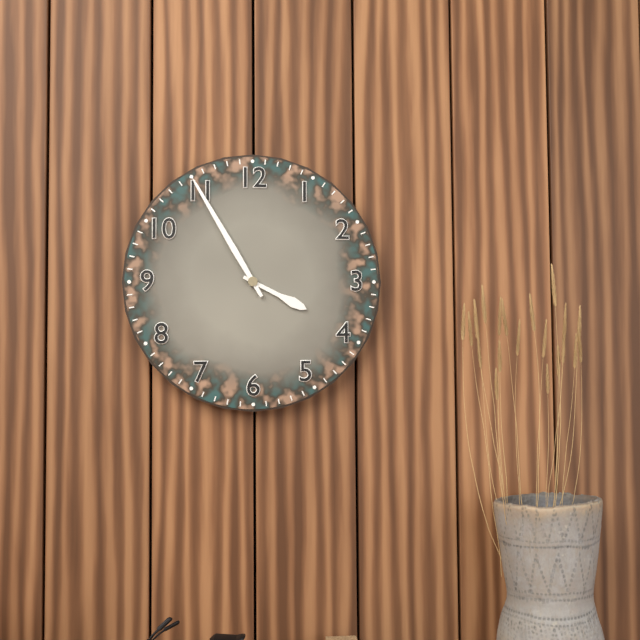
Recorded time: 3.55
